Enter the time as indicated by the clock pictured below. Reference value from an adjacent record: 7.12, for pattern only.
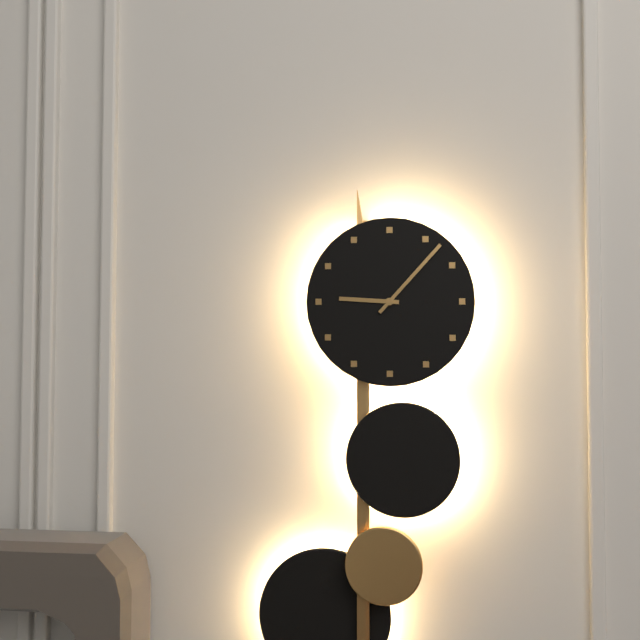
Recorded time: 9.07
